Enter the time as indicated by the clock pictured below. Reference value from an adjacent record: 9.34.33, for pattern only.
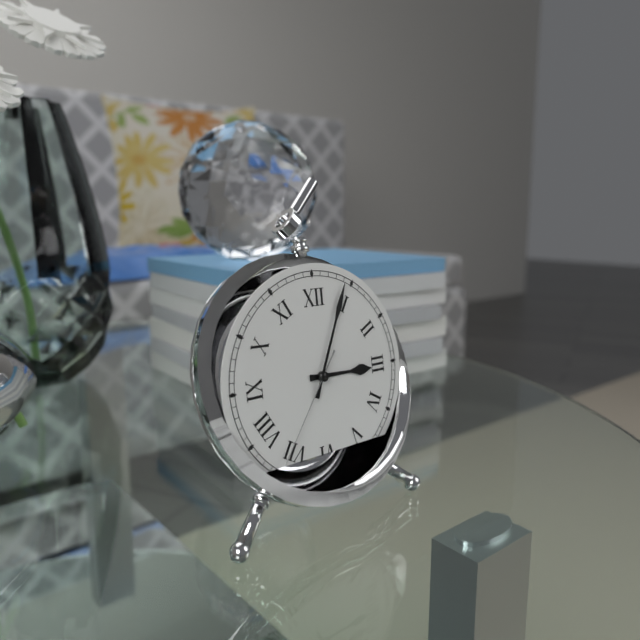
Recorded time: 3.04.36
